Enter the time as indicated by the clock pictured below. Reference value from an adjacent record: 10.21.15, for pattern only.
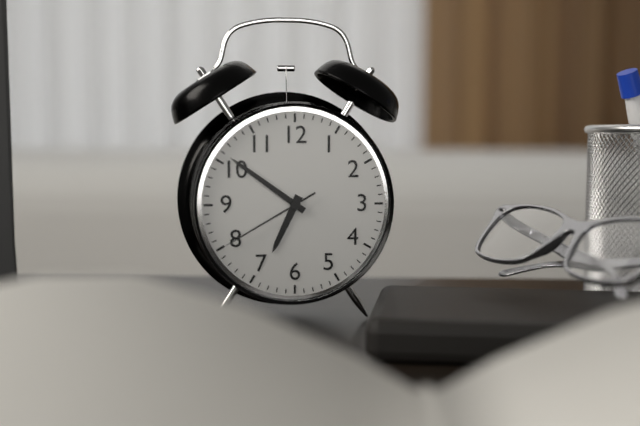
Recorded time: 6.51.40
